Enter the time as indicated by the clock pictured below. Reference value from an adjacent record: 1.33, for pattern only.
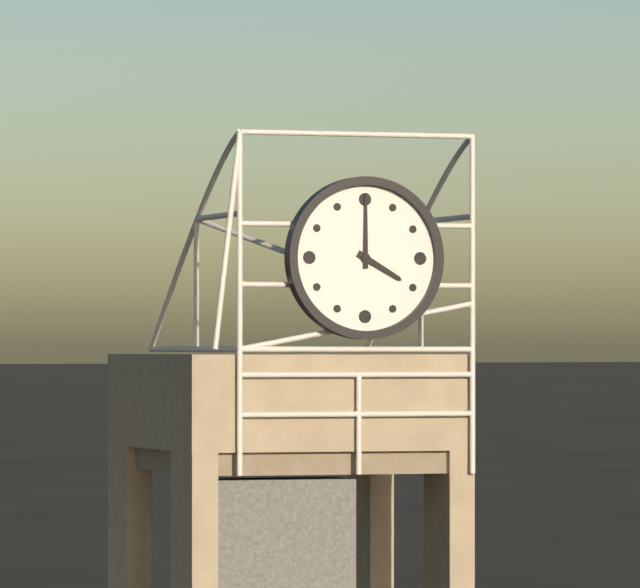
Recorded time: 4.00
